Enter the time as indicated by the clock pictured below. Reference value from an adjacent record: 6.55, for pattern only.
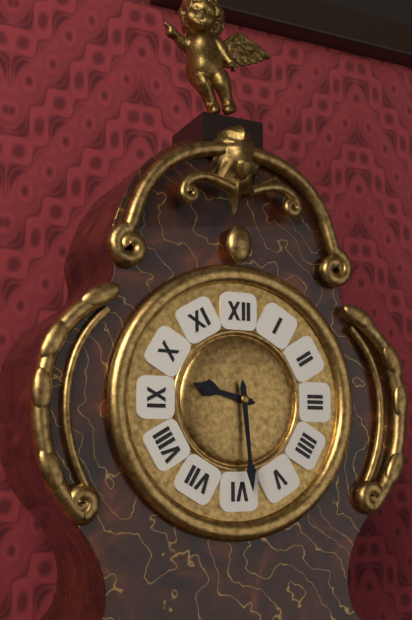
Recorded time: 9.29
